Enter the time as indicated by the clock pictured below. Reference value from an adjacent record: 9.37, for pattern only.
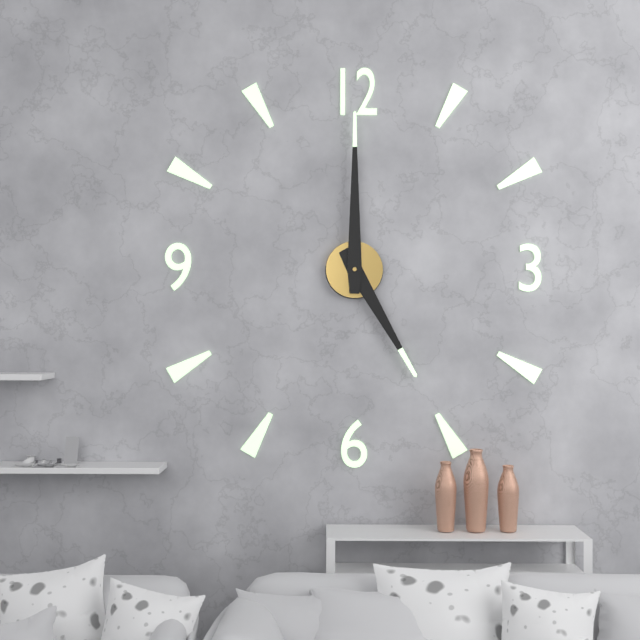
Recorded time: 5.00
